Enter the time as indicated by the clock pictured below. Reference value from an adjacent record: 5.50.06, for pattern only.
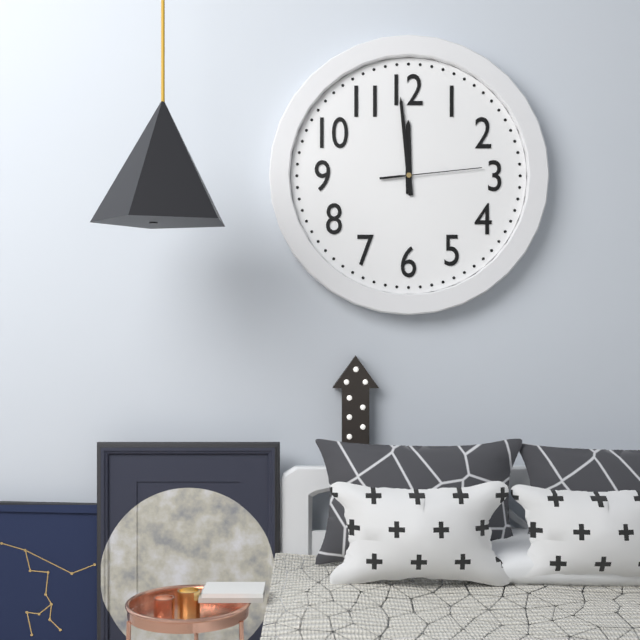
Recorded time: 11.59.14
